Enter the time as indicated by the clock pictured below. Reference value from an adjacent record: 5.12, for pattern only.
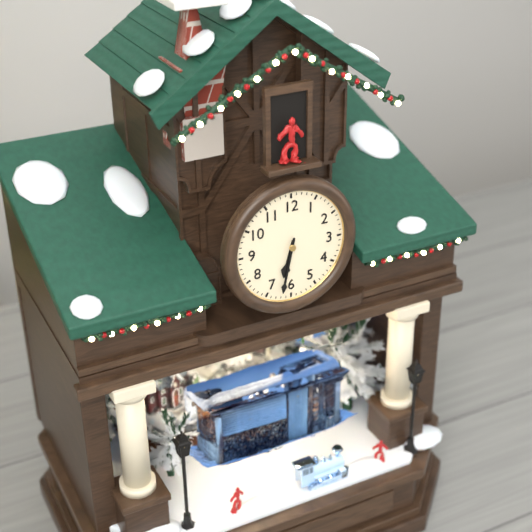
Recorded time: 6.32
